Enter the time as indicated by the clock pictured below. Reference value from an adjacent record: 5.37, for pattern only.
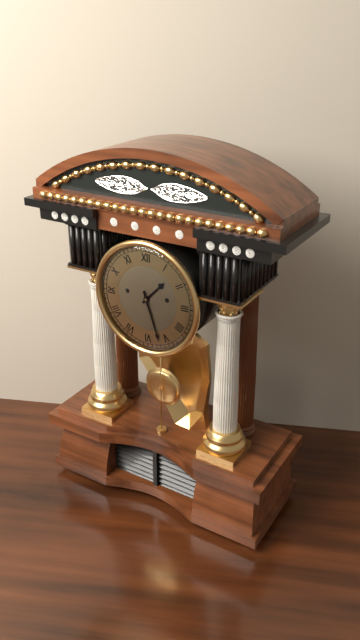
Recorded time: 1.27
